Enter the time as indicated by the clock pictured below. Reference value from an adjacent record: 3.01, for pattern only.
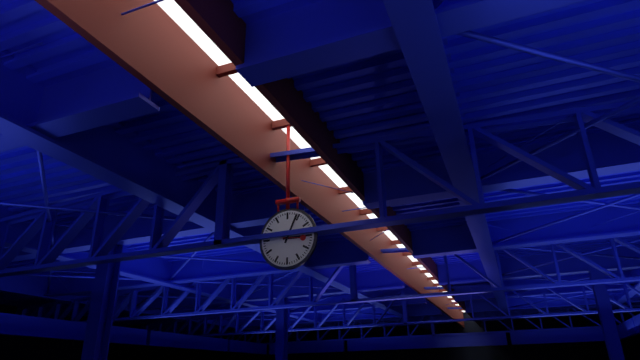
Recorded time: 3.04
